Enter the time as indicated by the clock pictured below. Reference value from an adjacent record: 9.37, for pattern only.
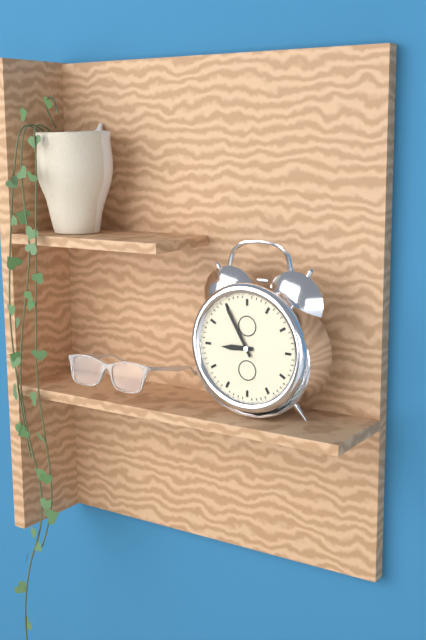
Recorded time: 8.55
